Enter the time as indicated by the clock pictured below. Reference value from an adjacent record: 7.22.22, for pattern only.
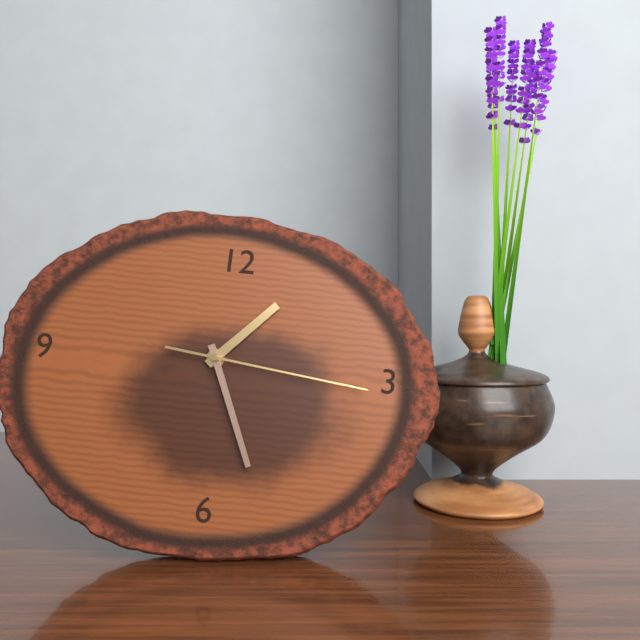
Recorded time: 1.26.16
